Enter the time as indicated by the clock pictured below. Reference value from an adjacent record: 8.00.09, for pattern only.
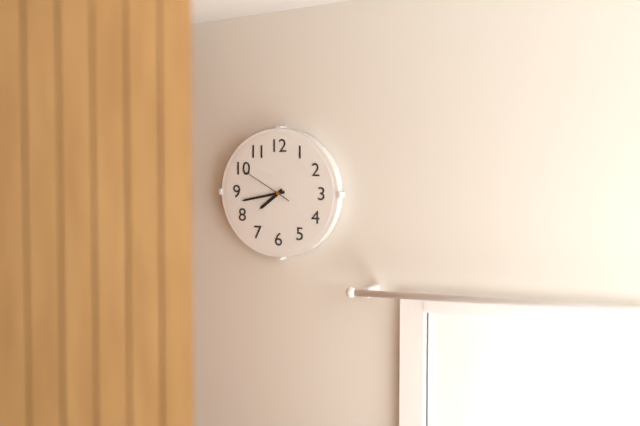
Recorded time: 7.43.50
